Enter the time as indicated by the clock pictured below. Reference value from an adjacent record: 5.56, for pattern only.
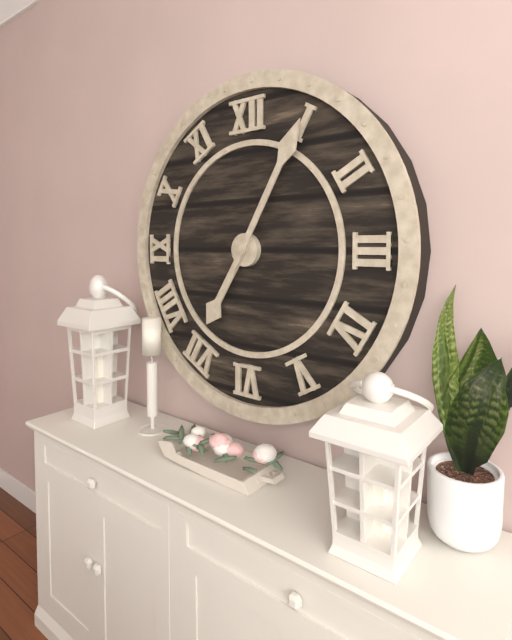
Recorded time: 7.05
